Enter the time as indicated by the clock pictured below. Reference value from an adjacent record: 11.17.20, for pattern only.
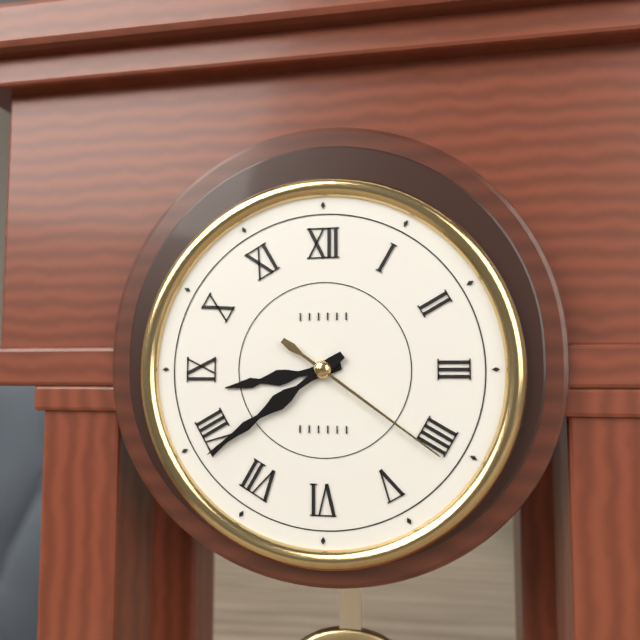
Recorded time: 8.39.21
